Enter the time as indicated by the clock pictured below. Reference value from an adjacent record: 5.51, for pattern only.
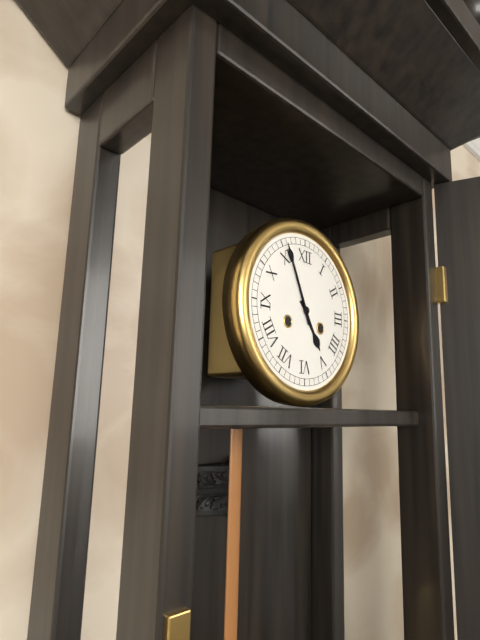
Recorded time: 4.56
